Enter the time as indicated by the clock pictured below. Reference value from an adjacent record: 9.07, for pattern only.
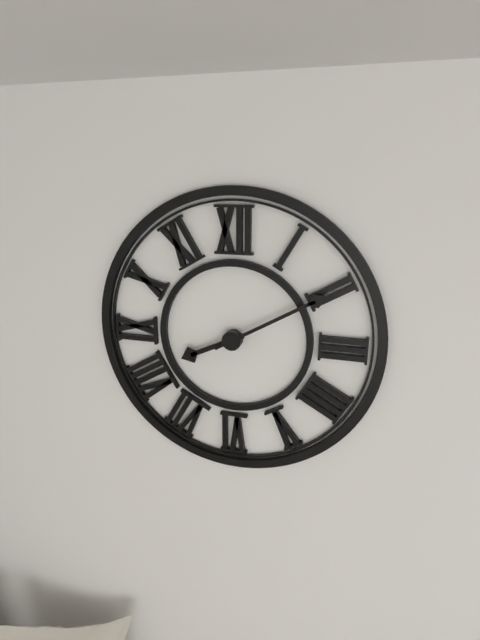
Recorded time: 8.10
